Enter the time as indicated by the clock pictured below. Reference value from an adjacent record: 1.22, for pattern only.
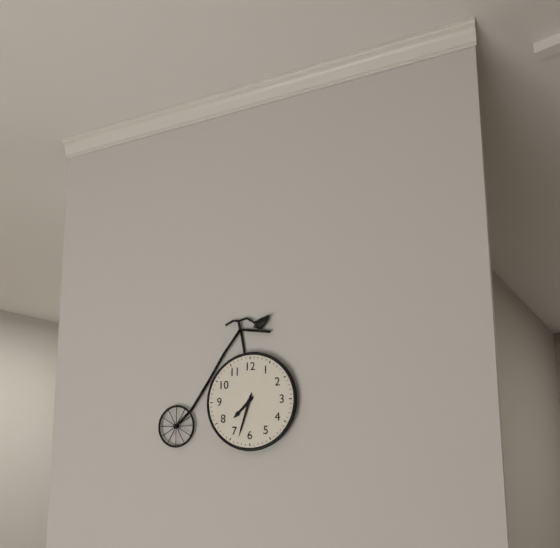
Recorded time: 7.33
